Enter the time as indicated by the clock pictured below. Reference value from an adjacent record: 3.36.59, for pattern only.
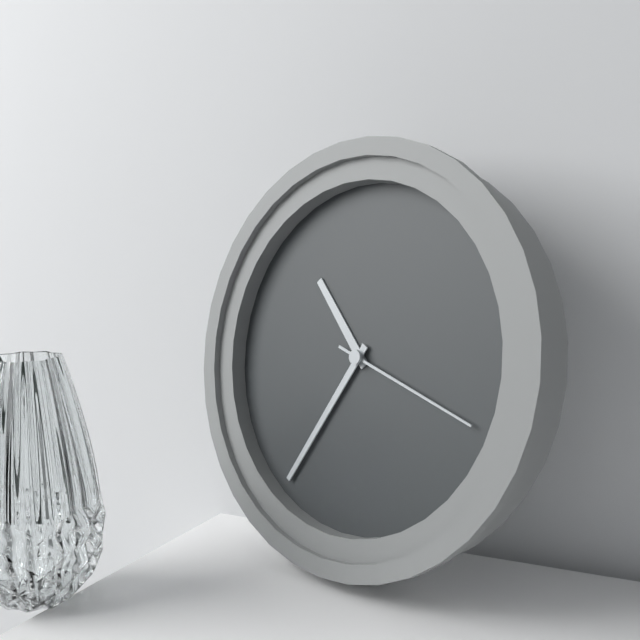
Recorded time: 10.35.18
